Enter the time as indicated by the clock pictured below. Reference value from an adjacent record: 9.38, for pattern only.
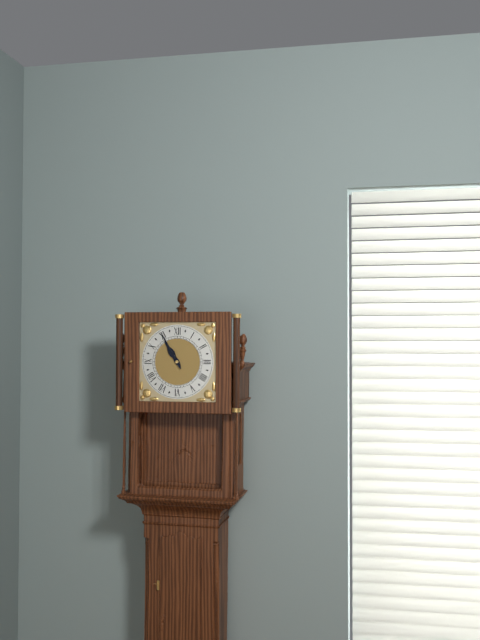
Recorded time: 10.55
